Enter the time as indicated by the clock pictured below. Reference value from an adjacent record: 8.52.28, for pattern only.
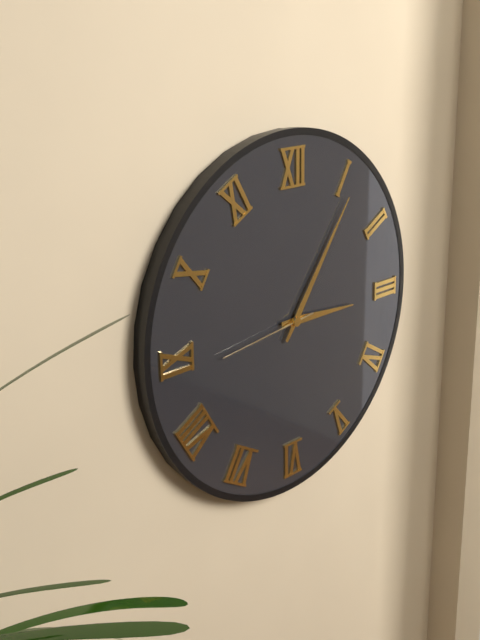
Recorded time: 3.06.44
